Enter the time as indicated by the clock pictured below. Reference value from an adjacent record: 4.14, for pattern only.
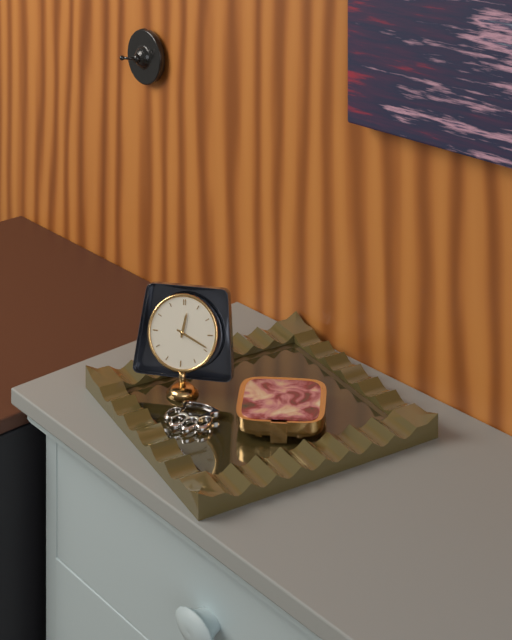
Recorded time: 12.19
